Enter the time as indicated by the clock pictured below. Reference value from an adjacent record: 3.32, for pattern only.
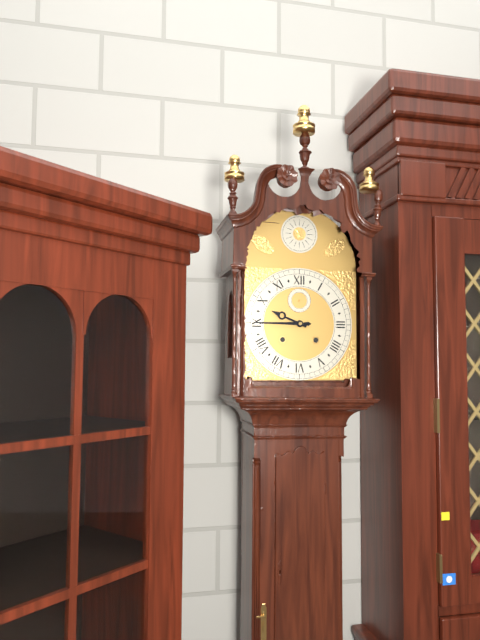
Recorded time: 9.45
